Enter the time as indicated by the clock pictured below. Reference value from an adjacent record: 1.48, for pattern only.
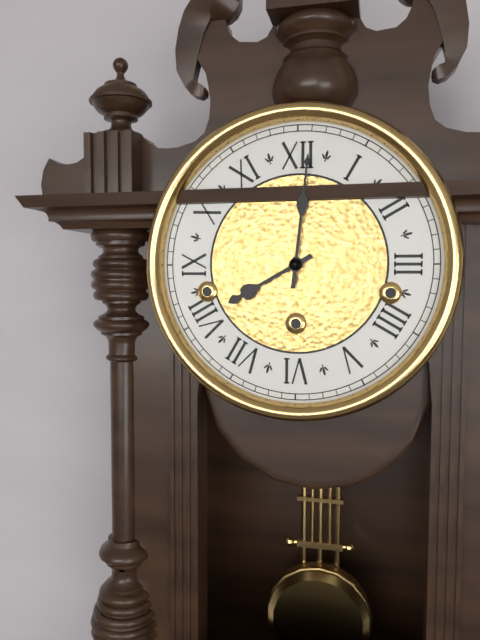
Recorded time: 8.01
